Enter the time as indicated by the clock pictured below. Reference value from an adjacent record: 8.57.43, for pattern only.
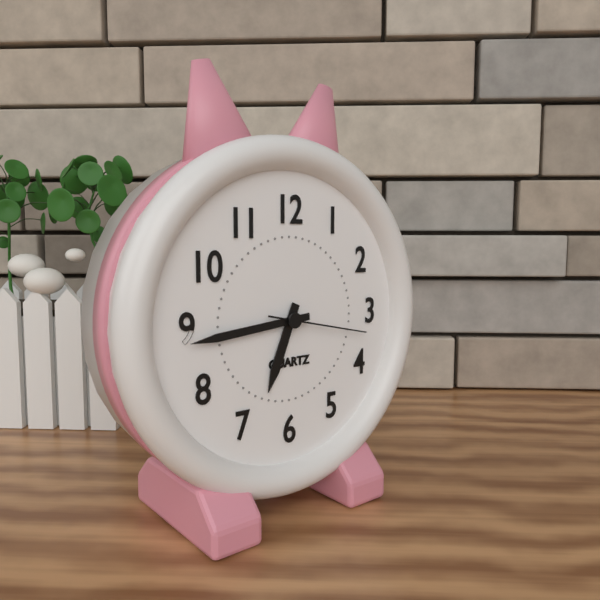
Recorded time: 6.44.17
